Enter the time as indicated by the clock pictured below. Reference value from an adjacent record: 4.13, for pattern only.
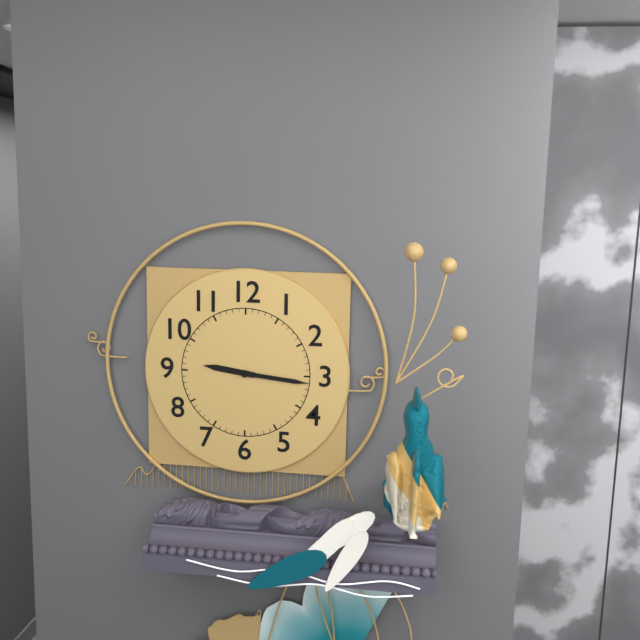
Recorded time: 9.16
